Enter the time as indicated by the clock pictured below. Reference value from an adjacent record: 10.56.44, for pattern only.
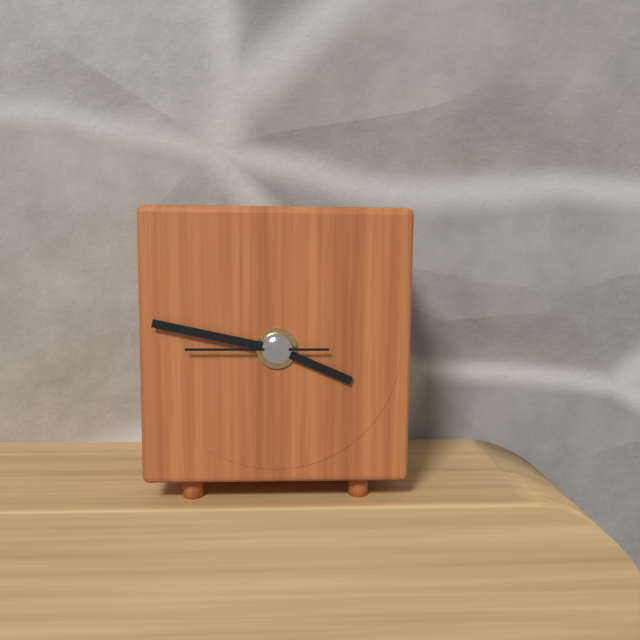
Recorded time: 3.47.45
